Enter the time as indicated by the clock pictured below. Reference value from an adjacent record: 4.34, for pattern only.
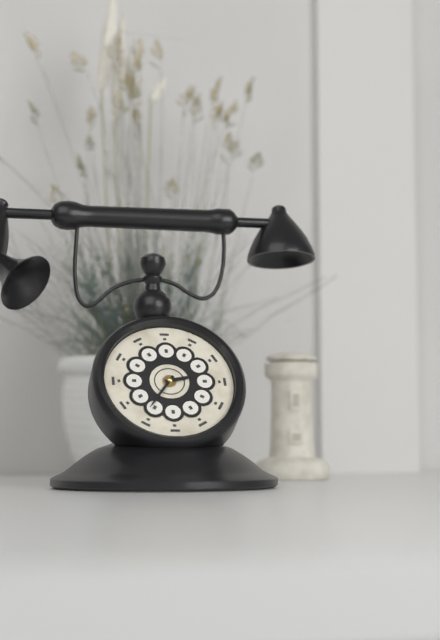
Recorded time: 2.36
